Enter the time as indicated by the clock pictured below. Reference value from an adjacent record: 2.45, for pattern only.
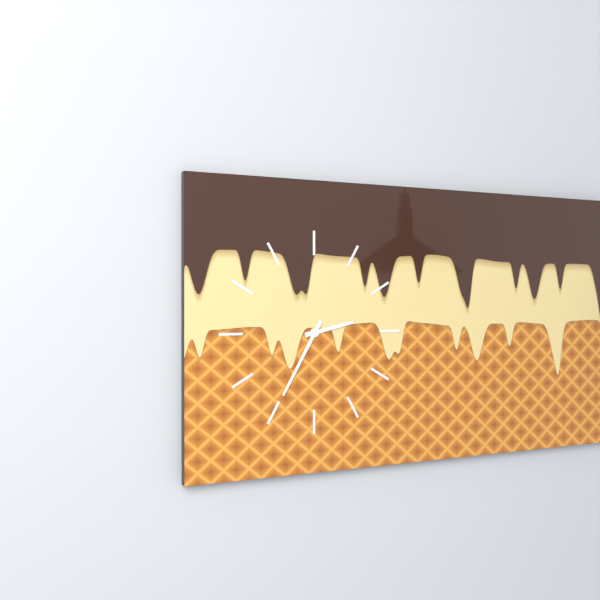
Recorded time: 2.35
